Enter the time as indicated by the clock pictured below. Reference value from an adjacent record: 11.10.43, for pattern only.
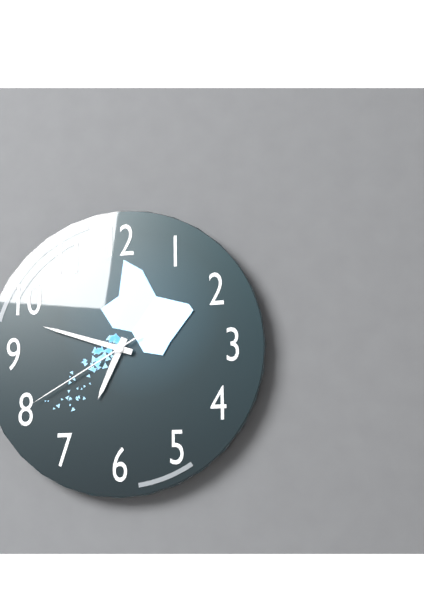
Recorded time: 6.48.40
